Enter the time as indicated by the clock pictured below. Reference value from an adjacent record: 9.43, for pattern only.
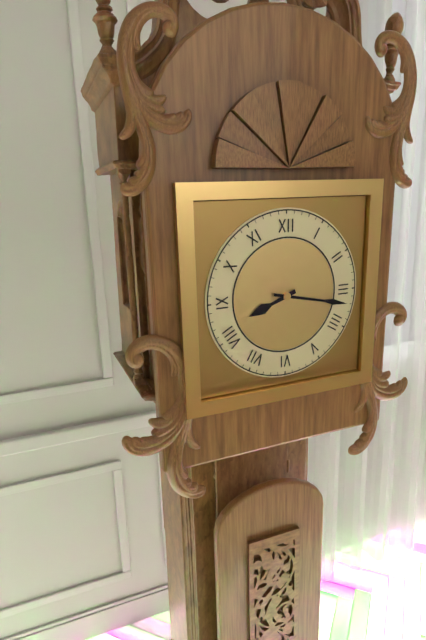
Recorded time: 8.17
